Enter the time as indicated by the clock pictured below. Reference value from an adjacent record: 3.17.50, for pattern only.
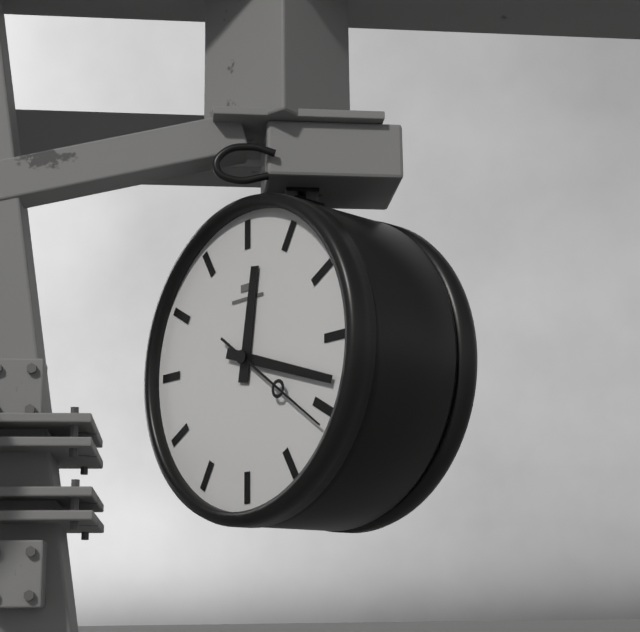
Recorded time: 12.18.21
